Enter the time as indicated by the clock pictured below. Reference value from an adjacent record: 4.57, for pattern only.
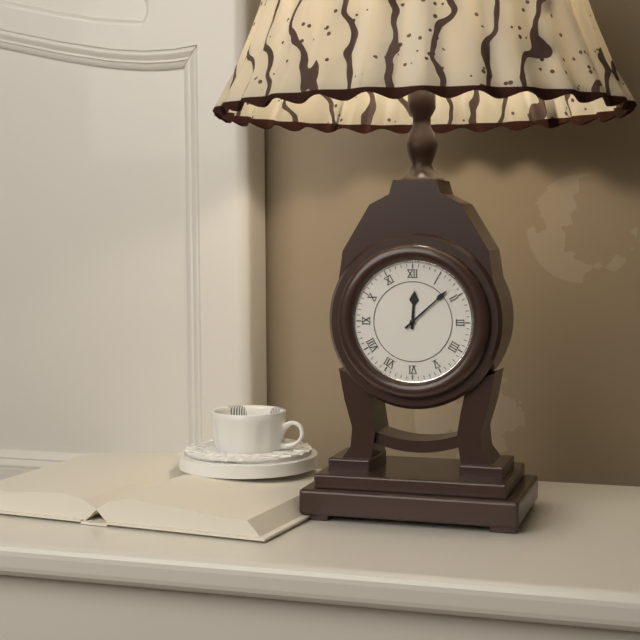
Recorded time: 12.08
